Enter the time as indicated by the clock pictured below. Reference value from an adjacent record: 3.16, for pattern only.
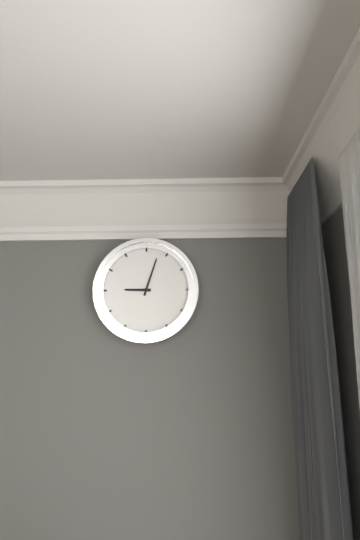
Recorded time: 9.03
